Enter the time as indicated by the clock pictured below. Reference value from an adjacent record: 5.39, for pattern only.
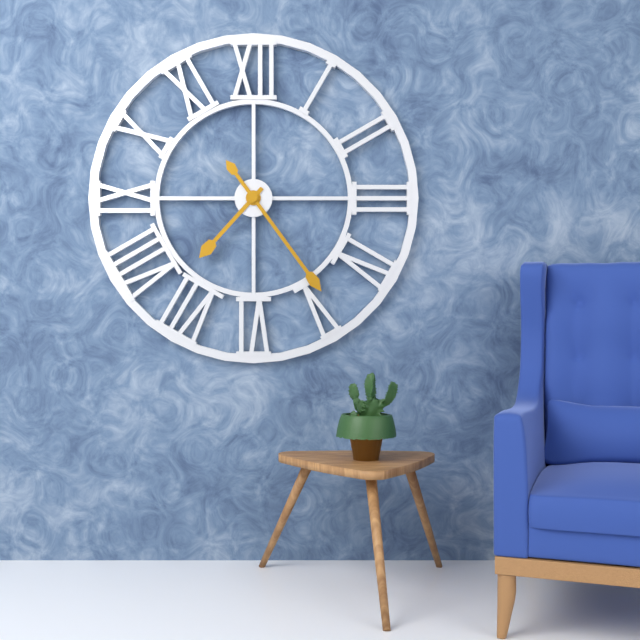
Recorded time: 7.24
